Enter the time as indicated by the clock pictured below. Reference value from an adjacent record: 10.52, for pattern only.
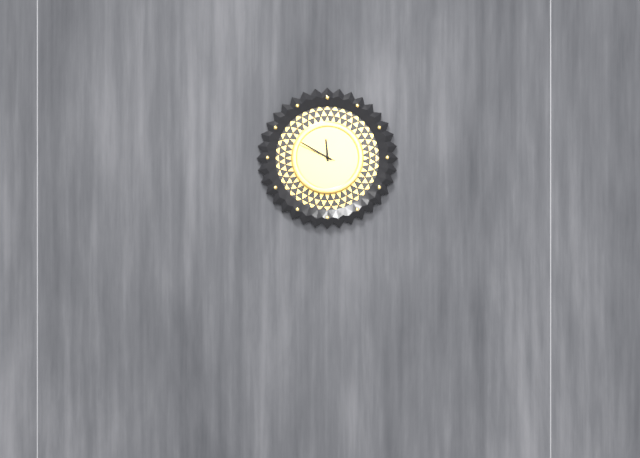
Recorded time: 11.50
